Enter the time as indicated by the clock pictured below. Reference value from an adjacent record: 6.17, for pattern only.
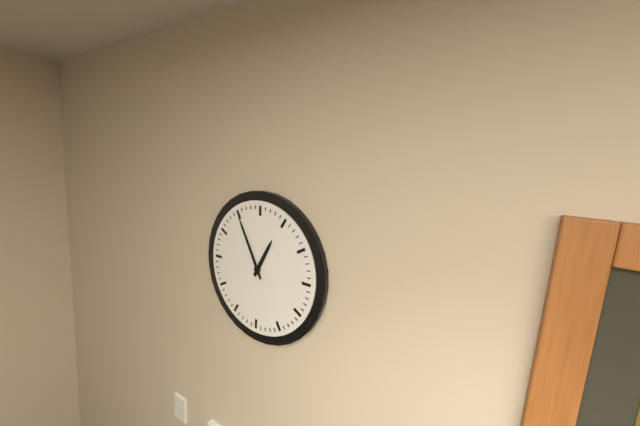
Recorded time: 12.55
